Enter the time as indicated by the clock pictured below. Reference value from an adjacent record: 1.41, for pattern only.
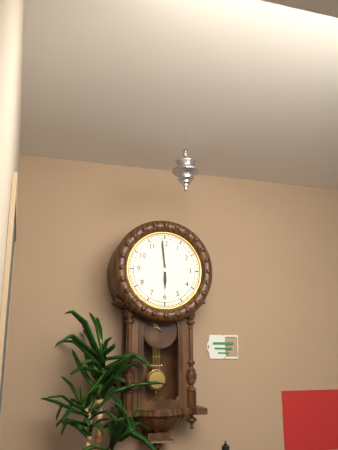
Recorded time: 5.59
